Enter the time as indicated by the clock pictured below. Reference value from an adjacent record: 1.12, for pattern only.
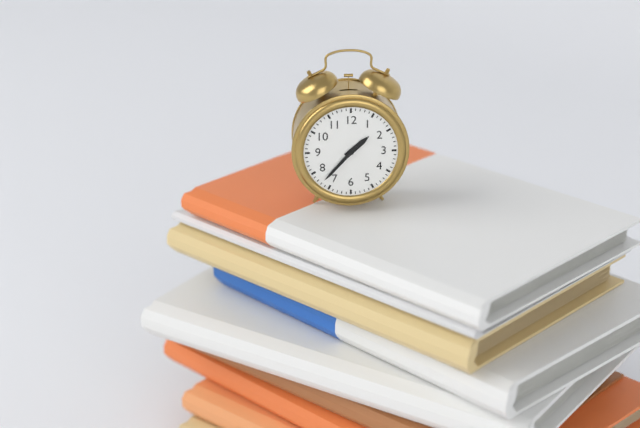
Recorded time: 1.37
